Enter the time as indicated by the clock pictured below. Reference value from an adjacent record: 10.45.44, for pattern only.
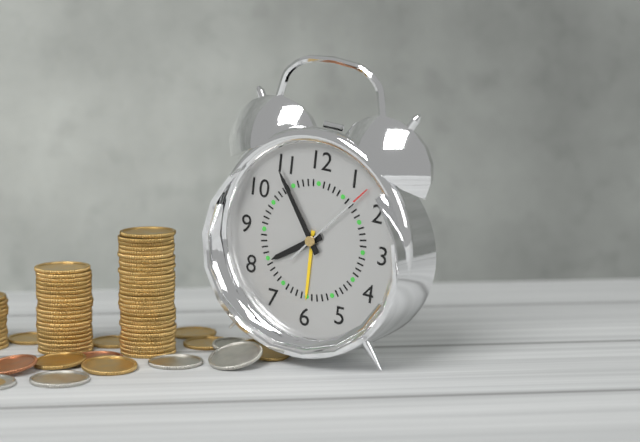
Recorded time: 7.54.07
